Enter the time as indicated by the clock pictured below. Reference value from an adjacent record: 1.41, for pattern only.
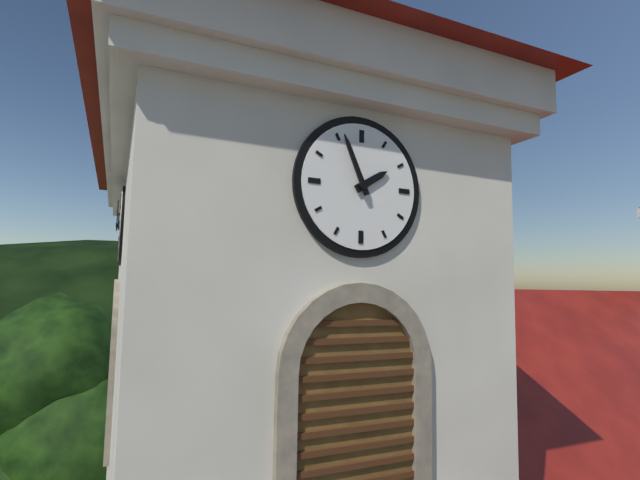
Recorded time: 1.56
